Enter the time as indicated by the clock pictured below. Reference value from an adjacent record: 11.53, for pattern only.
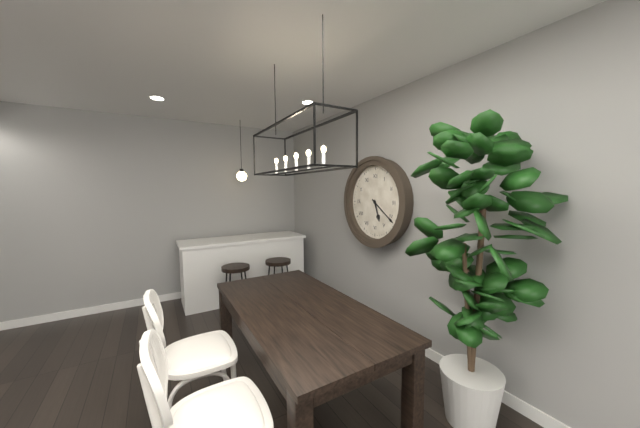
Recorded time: 5.21
